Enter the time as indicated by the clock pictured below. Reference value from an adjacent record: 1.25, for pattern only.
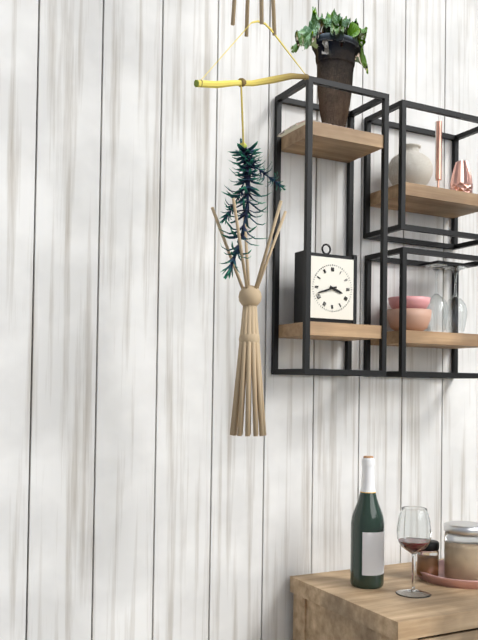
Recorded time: 3.42
